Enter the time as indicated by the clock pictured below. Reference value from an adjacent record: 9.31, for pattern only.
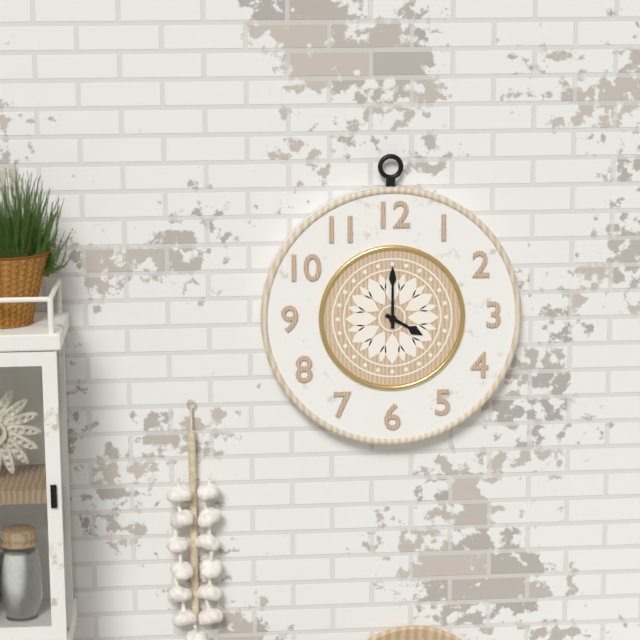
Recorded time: 4.00
